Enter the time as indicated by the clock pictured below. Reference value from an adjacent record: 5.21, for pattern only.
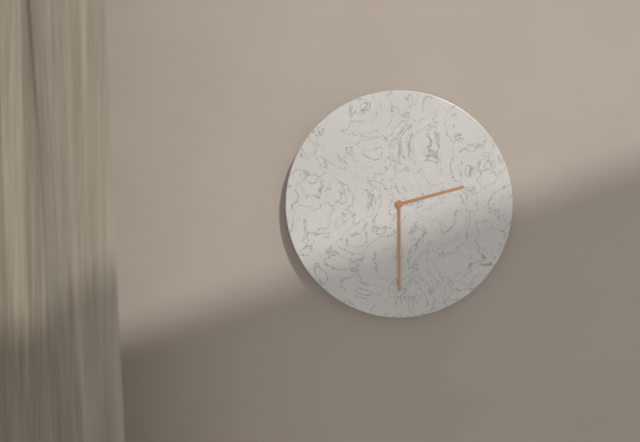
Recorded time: 2.30
